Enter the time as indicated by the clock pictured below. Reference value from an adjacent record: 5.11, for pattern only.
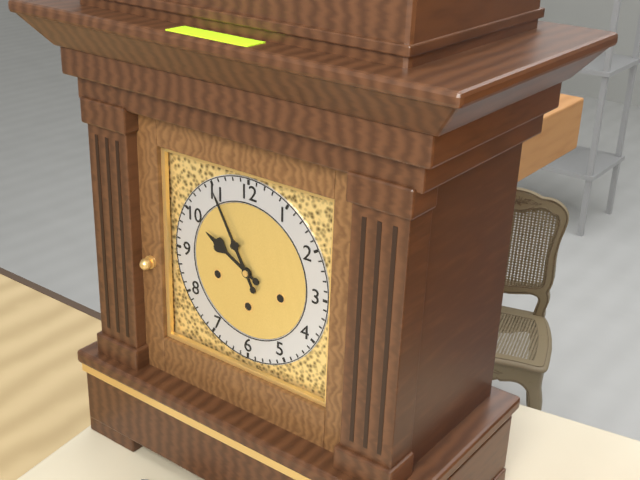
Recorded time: 9.55
